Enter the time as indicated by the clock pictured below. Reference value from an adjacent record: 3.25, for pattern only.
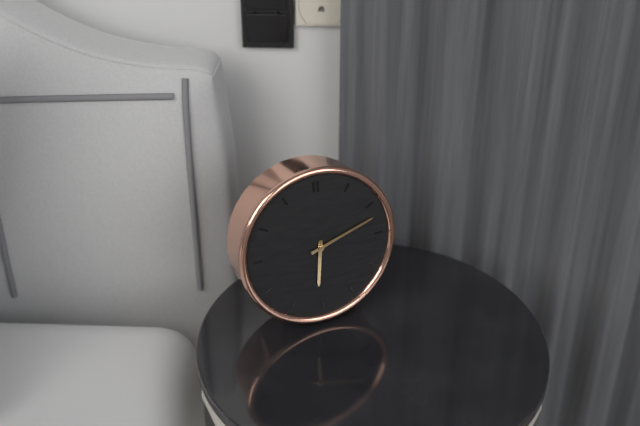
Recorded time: 6.12
